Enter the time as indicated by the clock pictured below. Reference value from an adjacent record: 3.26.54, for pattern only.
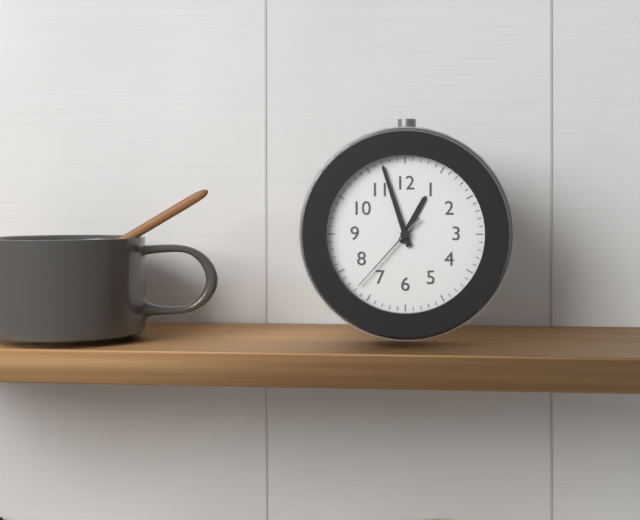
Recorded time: 12.57.37
